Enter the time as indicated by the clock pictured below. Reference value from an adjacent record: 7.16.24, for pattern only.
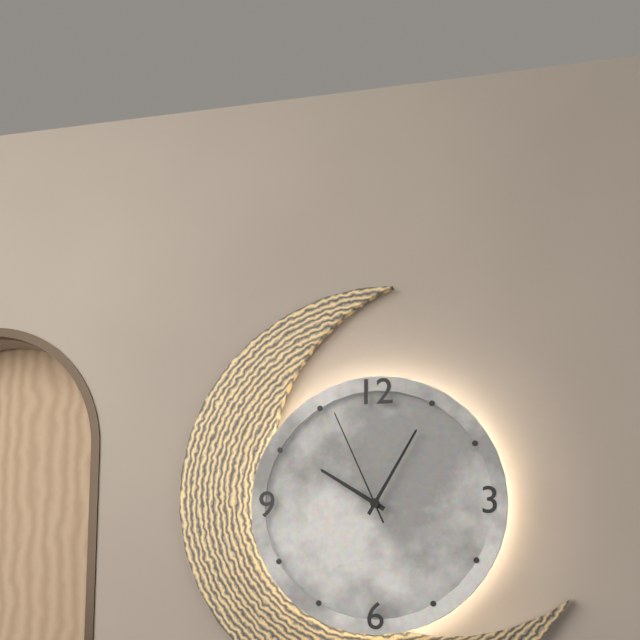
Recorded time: 10.05.56
